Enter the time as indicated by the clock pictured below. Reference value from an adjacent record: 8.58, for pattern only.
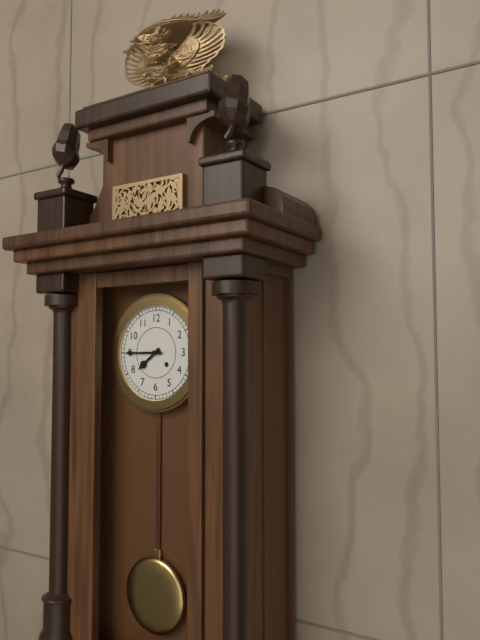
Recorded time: 7.45
